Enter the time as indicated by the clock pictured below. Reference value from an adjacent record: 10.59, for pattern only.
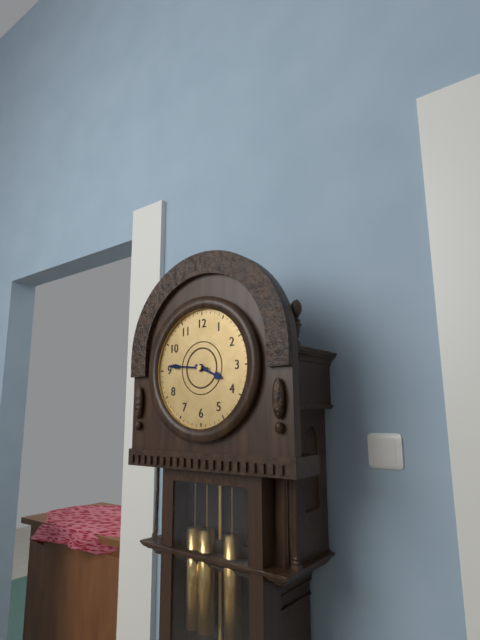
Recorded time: 3.46
